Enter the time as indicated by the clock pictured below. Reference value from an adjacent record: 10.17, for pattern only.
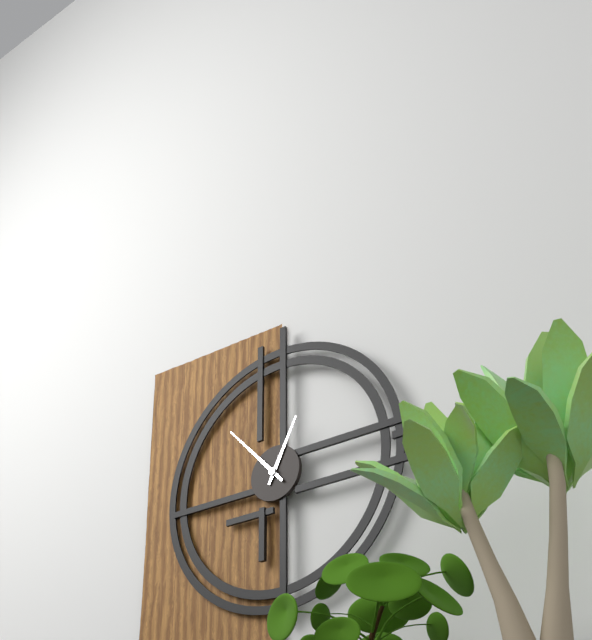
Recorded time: 12.53
